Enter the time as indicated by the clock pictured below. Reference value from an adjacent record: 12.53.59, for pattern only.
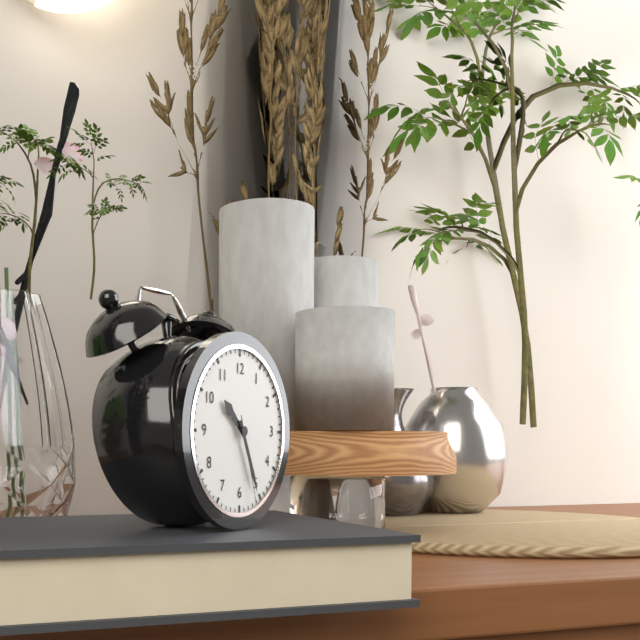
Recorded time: 10.26.27
